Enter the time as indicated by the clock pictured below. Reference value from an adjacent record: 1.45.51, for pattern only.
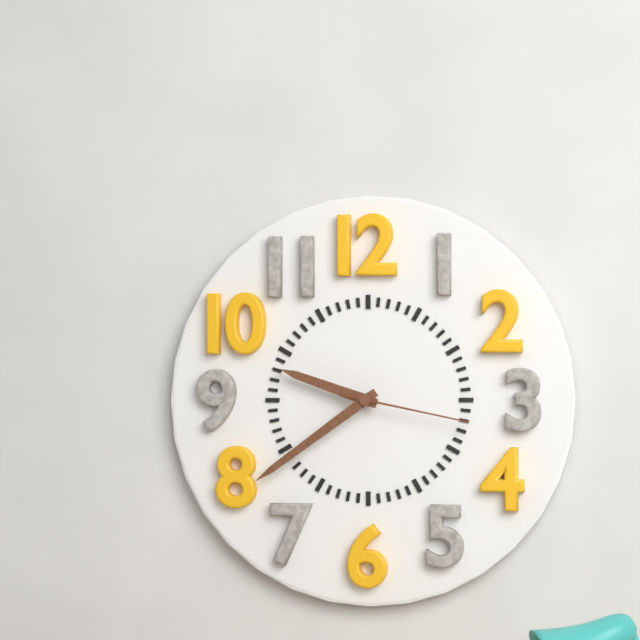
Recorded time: 9.39.17
